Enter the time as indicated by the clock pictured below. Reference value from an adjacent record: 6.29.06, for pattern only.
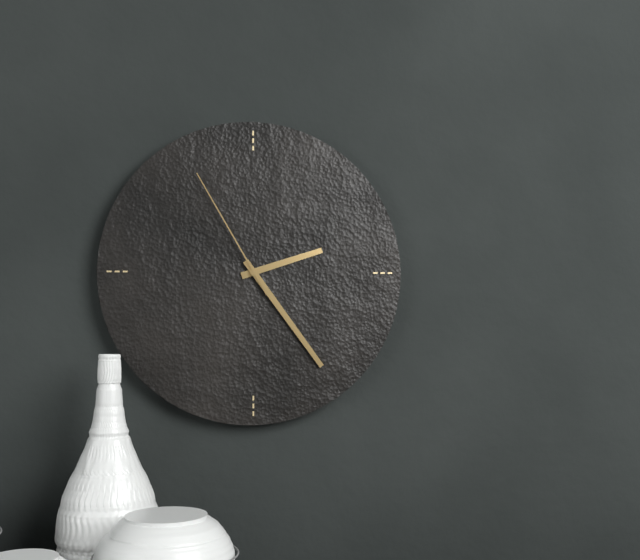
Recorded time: 2.24.55
